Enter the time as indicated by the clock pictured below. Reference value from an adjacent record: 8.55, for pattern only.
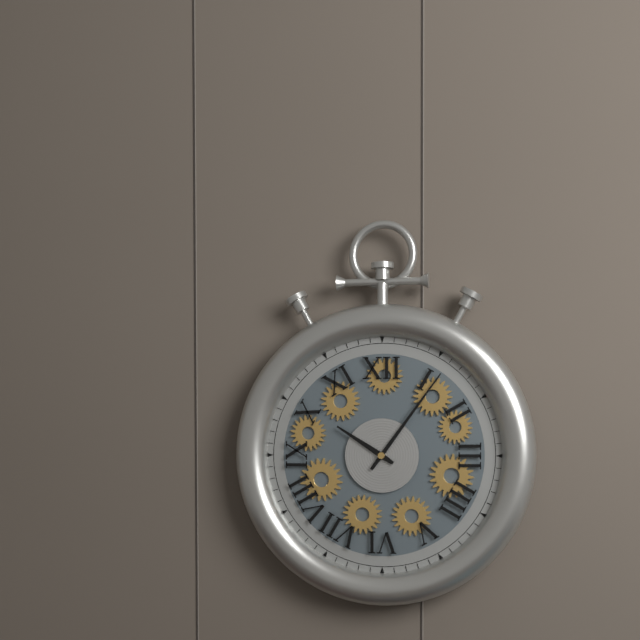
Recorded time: 10.06
